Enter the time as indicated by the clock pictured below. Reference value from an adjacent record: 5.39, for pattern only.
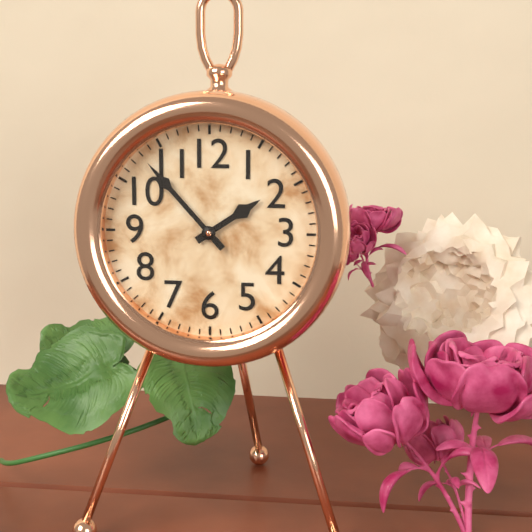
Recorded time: 1.53
